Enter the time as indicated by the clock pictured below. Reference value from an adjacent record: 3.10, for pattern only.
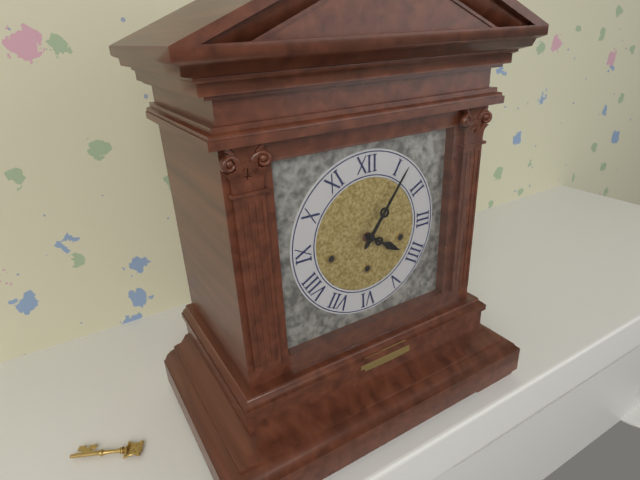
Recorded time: 4.06
